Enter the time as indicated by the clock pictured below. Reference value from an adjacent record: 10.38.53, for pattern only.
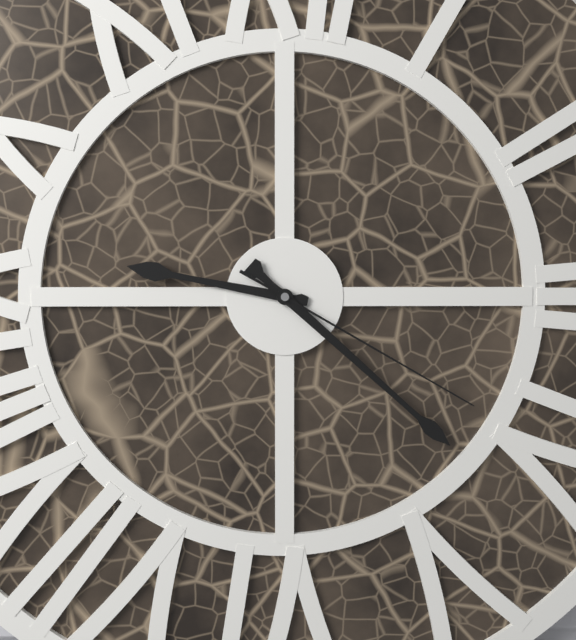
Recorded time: 9.22.20
